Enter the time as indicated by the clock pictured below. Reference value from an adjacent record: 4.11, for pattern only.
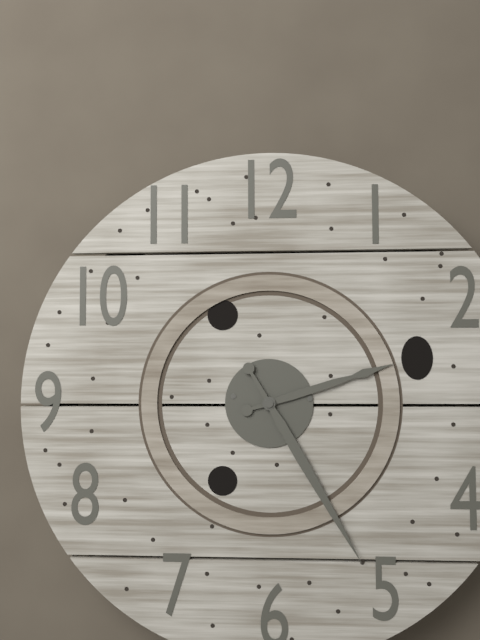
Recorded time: 2.25
